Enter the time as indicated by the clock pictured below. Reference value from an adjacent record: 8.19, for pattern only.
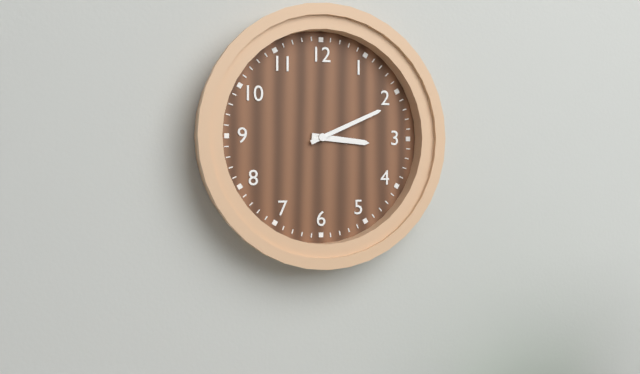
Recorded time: 3.11
